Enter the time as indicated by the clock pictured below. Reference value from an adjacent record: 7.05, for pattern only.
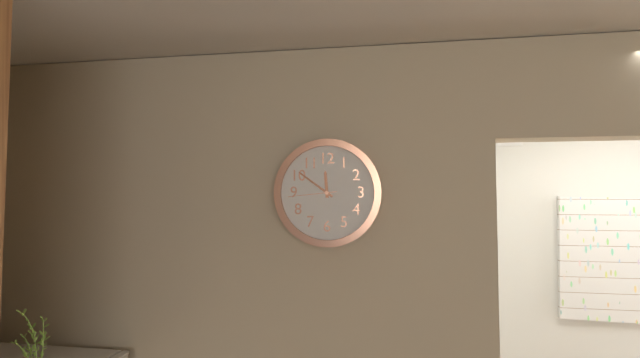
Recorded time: 11.51
